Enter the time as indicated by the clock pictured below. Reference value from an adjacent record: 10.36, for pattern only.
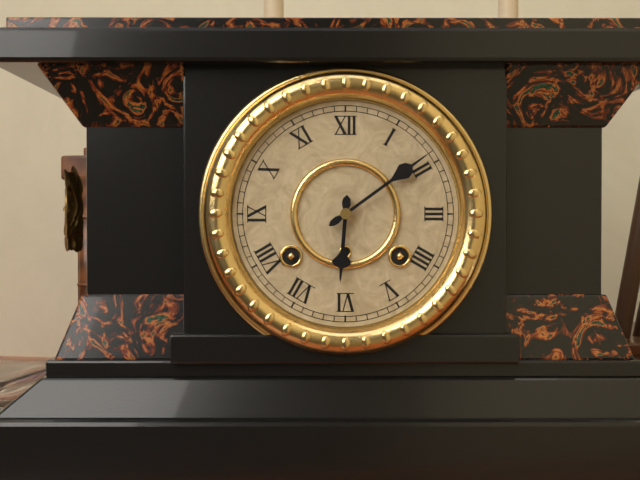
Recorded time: 6.09
